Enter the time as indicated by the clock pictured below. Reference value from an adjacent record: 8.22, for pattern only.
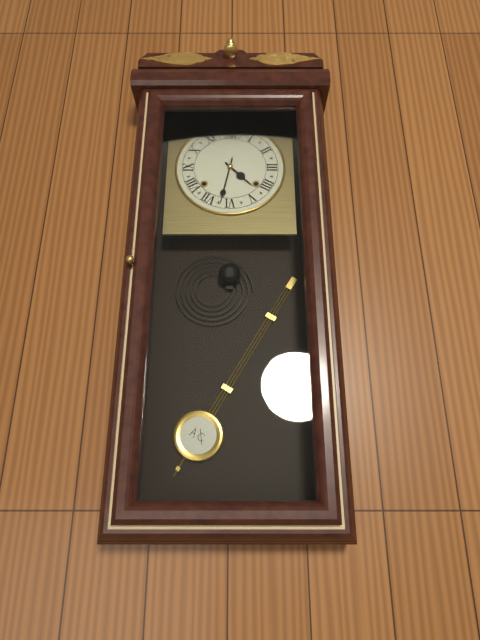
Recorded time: 4.32
